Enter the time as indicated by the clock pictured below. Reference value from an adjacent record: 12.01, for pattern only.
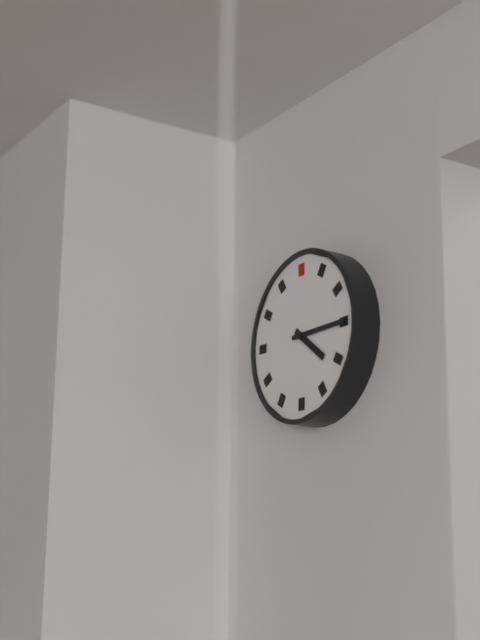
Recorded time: 4.15
